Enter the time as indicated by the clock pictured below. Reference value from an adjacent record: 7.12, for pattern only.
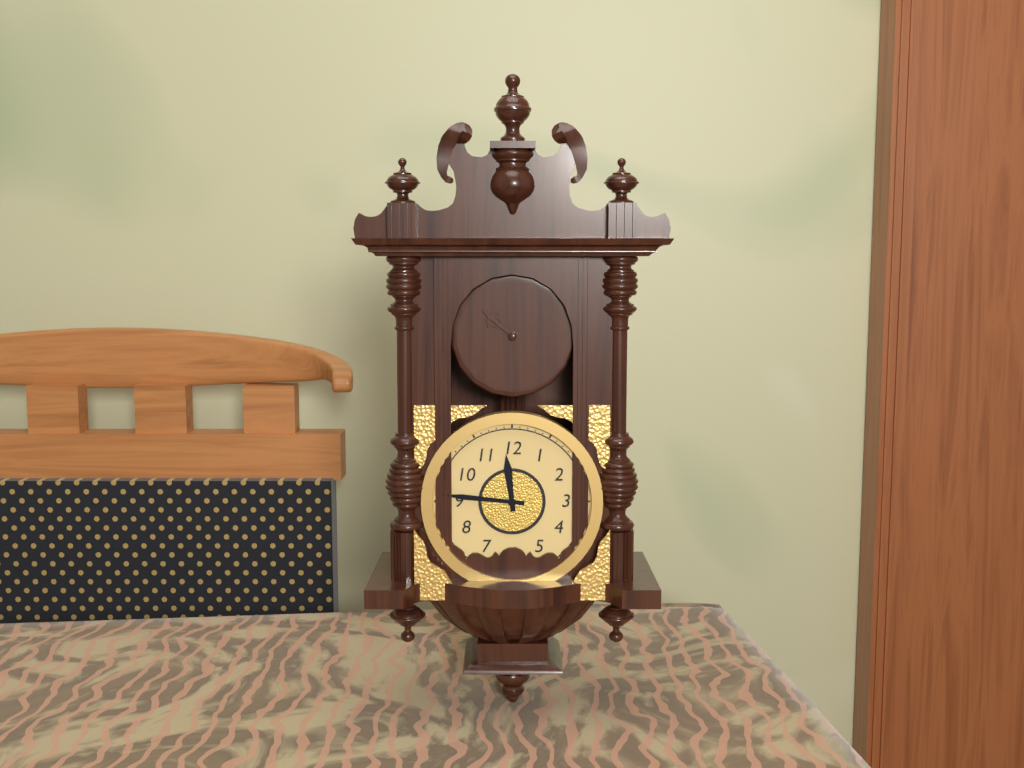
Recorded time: 11.46
